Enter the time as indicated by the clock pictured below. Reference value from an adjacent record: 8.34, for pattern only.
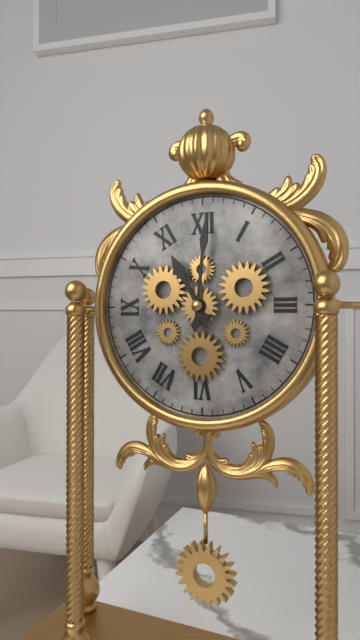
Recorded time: 11.01
